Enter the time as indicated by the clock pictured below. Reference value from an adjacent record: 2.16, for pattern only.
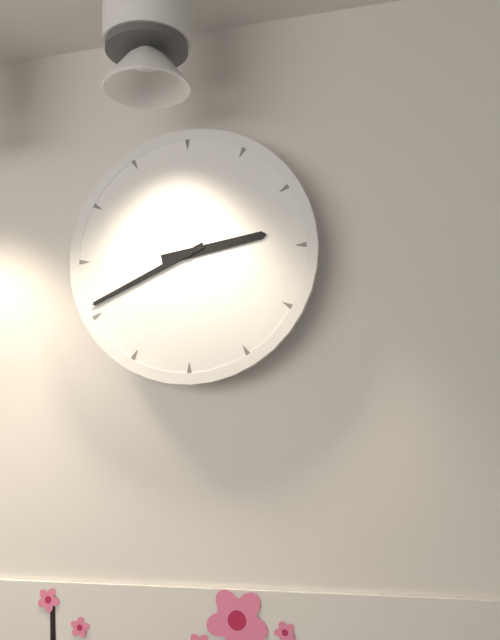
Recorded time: 2.41
